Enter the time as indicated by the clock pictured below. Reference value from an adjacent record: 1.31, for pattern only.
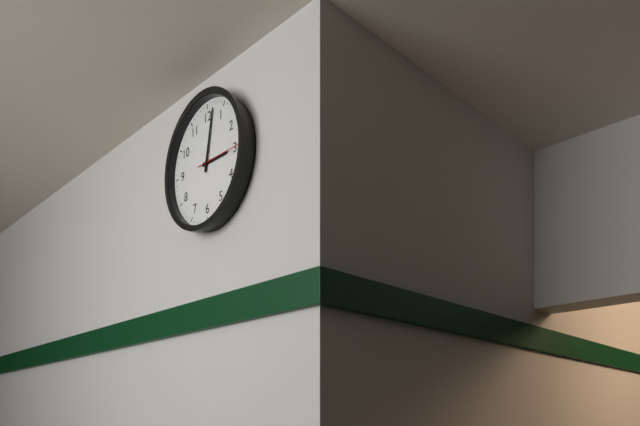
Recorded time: 3.02
